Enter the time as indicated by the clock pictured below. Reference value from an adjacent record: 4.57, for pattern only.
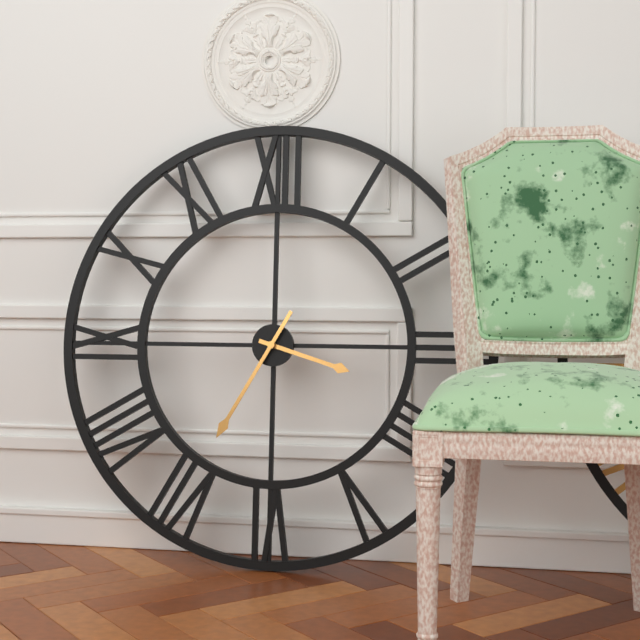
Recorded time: 3.35
